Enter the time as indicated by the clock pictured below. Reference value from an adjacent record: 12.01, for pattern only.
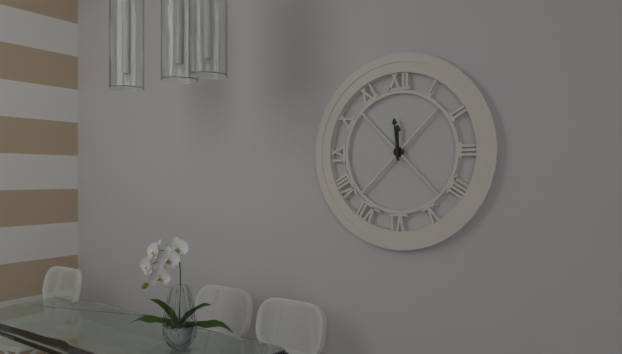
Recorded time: 11.59
